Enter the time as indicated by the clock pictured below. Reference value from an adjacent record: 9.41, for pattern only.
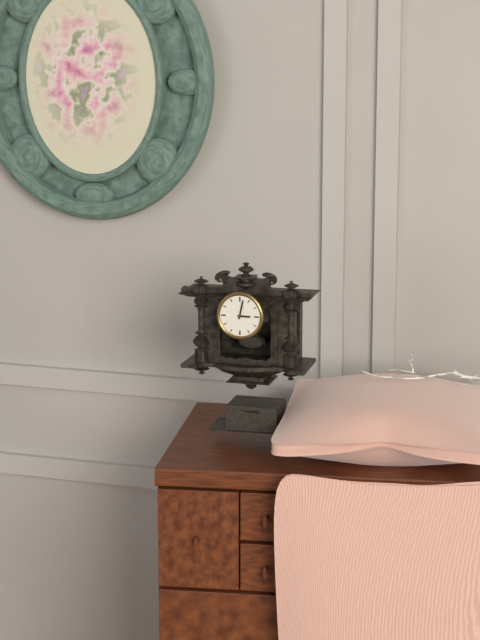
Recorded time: 3.02
